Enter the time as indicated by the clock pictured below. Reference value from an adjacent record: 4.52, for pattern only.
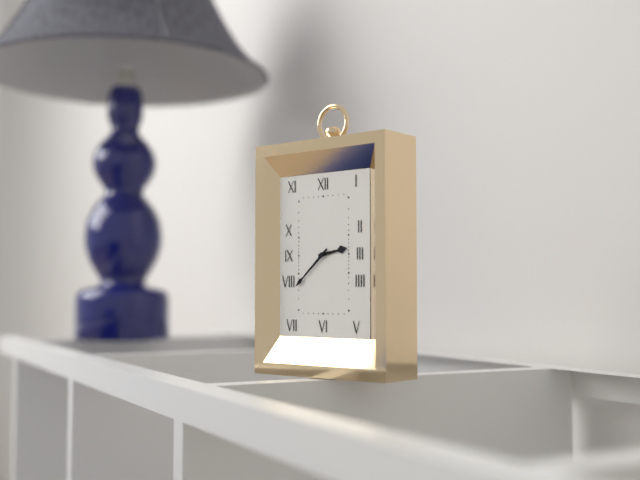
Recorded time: 2.38
